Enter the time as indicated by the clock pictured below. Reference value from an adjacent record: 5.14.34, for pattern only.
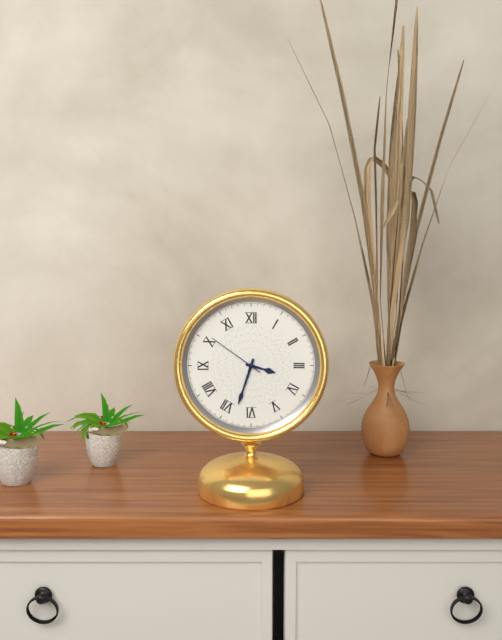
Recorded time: 3.33.51
